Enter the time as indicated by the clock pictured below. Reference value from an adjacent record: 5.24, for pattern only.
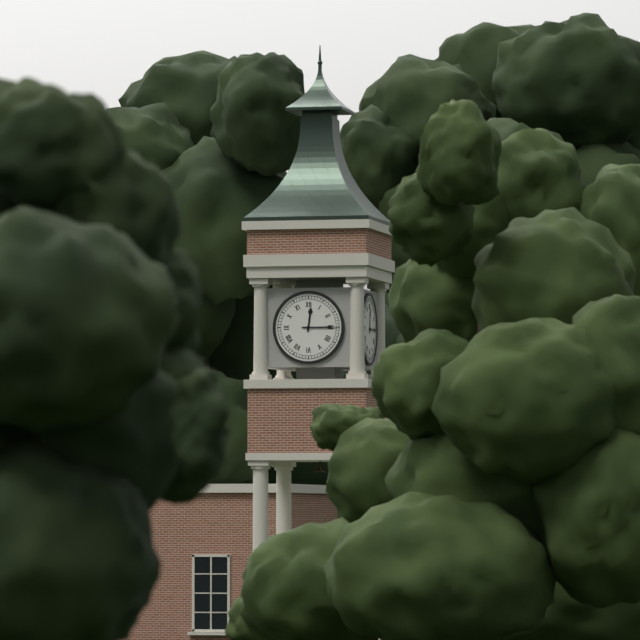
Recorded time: 12.15
